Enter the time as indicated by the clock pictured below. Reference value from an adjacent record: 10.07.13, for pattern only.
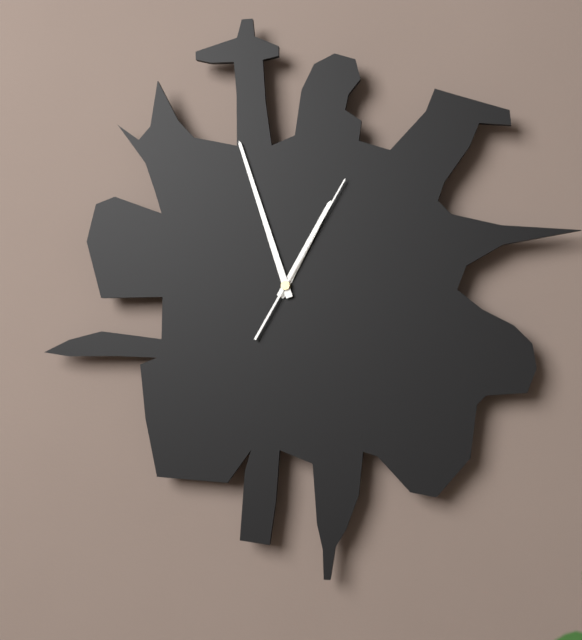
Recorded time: 12.57.05
